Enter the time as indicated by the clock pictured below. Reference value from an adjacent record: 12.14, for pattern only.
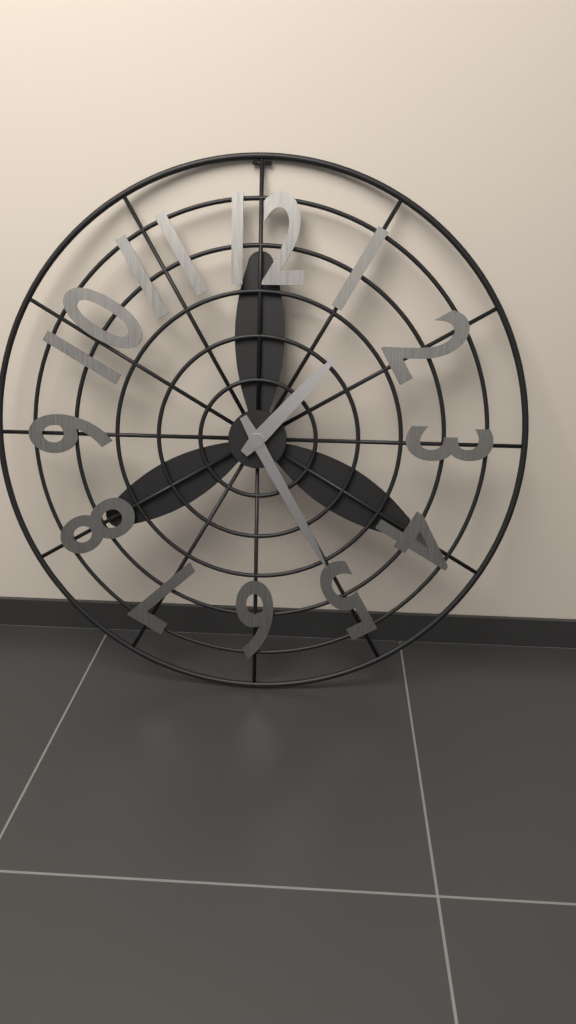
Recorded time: 1.25
